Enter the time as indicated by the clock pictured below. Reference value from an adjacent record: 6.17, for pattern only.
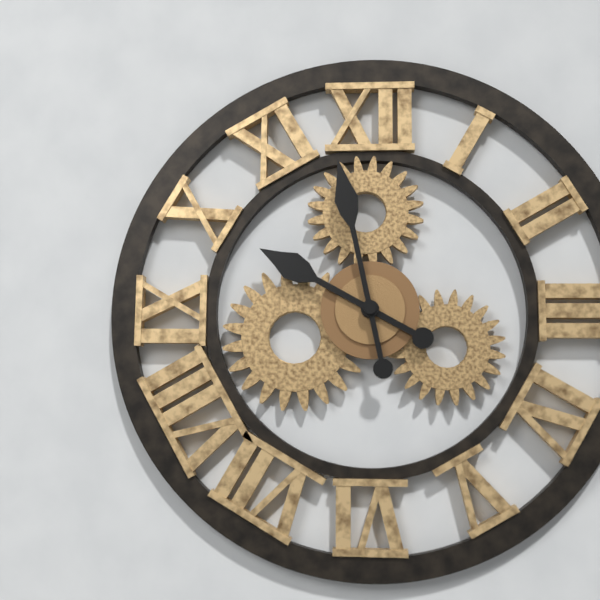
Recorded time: 9.58
